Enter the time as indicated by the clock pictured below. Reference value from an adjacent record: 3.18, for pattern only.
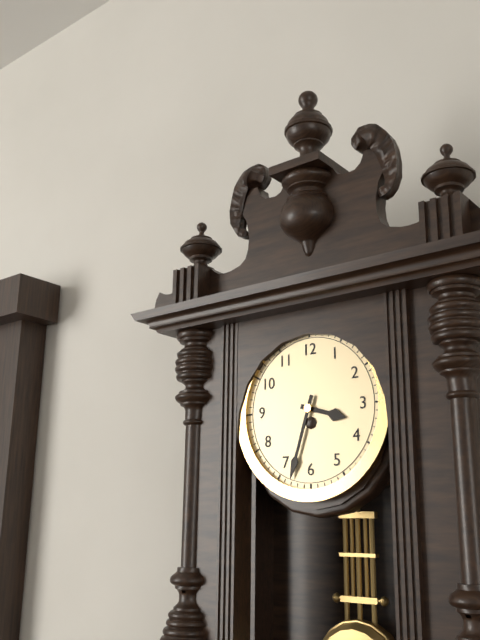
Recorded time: 3.33
